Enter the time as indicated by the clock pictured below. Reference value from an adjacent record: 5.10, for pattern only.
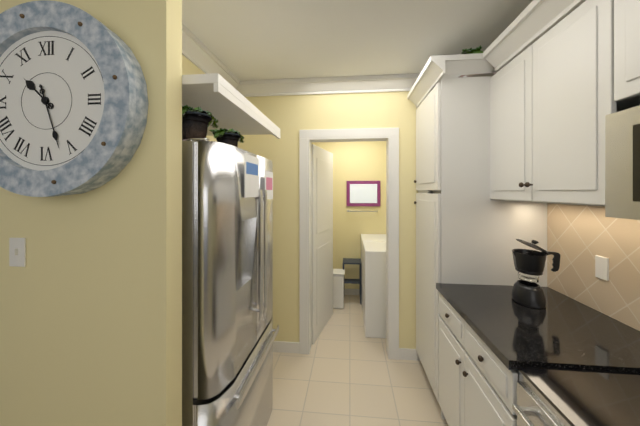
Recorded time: 10.27
